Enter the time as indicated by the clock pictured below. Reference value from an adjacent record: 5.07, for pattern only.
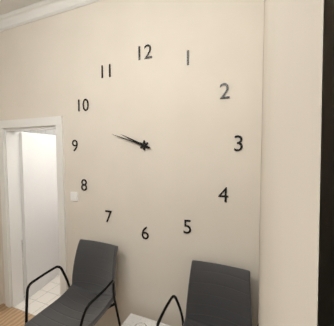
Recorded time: 9.48
